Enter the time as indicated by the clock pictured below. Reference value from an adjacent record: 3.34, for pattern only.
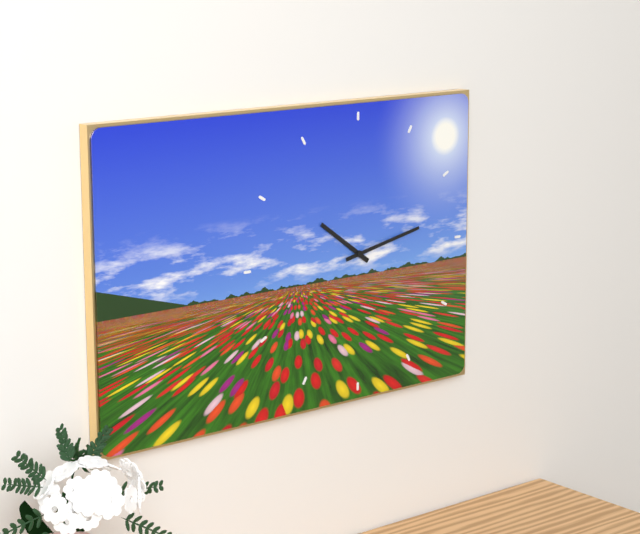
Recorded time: 10.13
